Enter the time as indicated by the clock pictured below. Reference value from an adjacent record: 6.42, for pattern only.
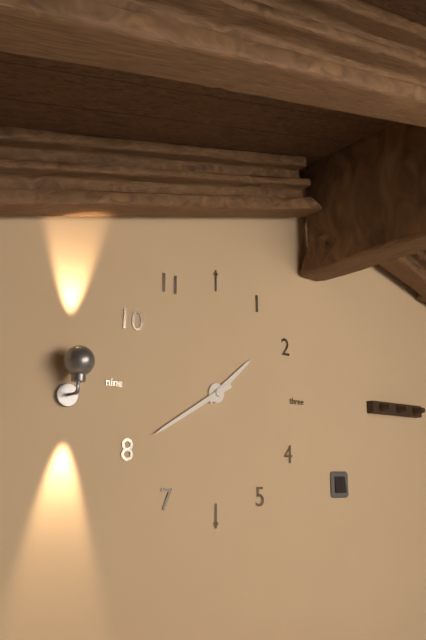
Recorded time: 1.40
